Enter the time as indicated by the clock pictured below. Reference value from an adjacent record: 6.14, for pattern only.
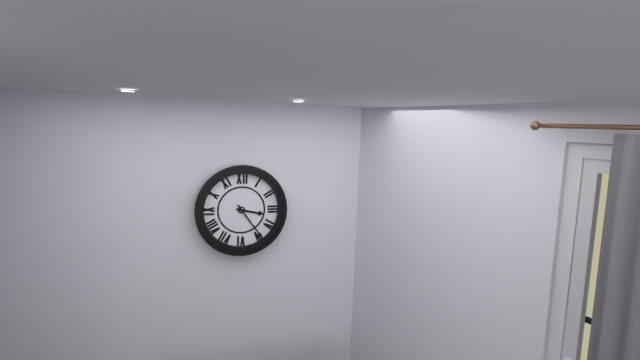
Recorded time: 3.24
